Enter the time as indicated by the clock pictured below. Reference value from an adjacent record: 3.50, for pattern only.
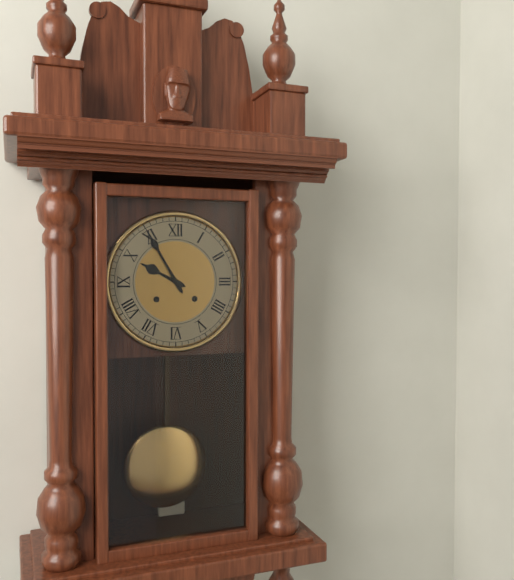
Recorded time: 9.55
